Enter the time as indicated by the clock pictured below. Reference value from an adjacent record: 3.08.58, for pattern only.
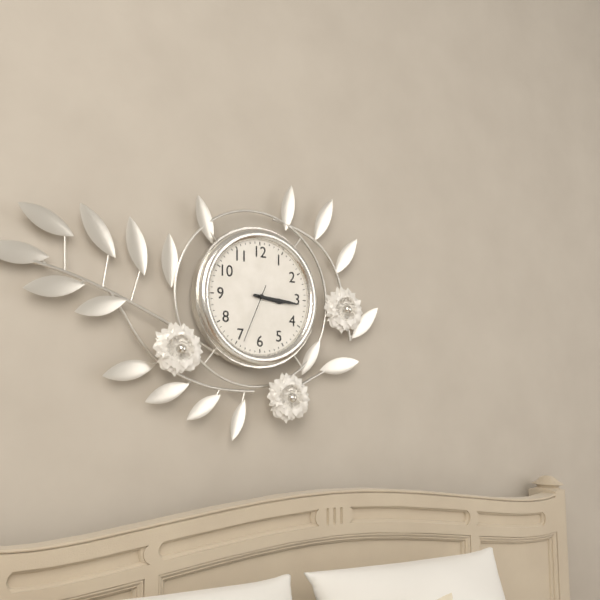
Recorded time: 3.16.34
